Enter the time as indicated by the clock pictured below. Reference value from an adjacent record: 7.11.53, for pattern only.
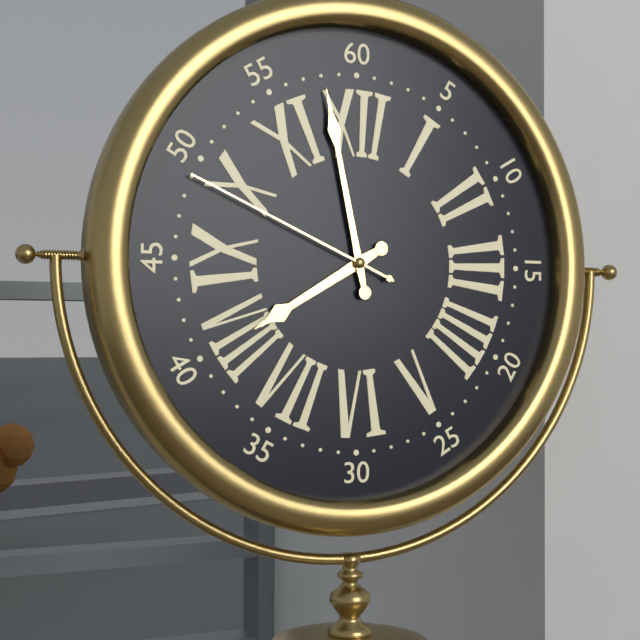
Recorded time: 7.58.49
